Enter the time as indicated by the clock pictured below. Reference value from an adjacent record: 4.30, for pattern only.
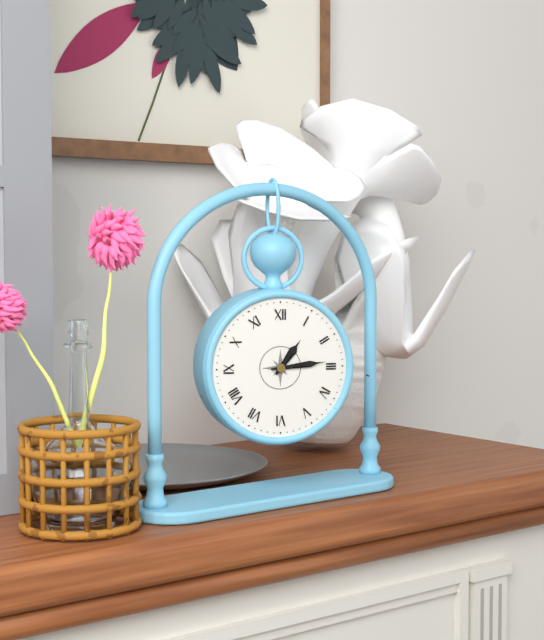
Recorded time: 1.14
